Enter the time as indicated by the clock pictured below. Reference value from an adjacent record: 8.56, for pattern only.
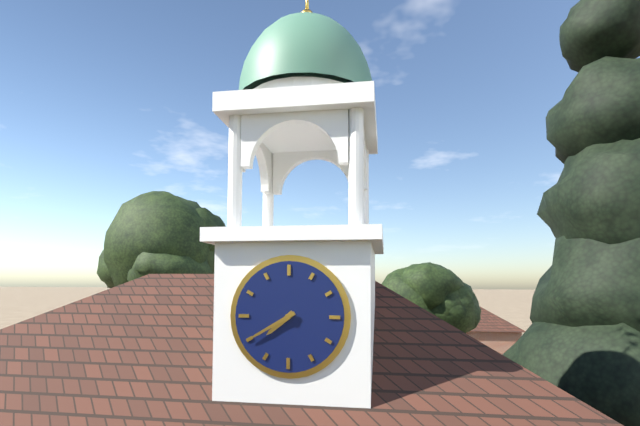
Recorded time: 7.40
